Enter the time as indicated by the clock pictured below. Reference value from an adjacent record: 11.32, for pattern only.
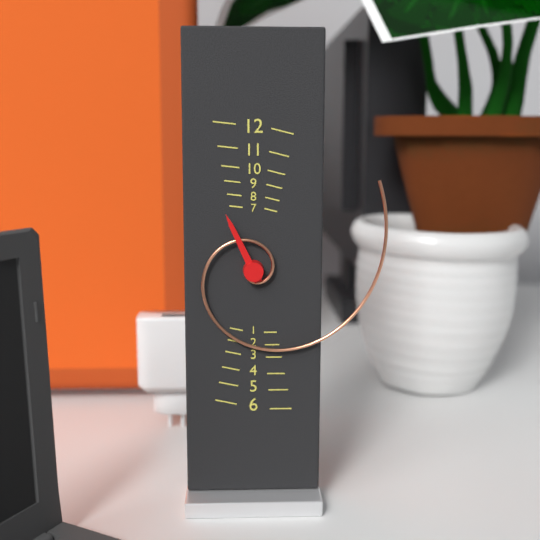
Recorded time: 11.09
